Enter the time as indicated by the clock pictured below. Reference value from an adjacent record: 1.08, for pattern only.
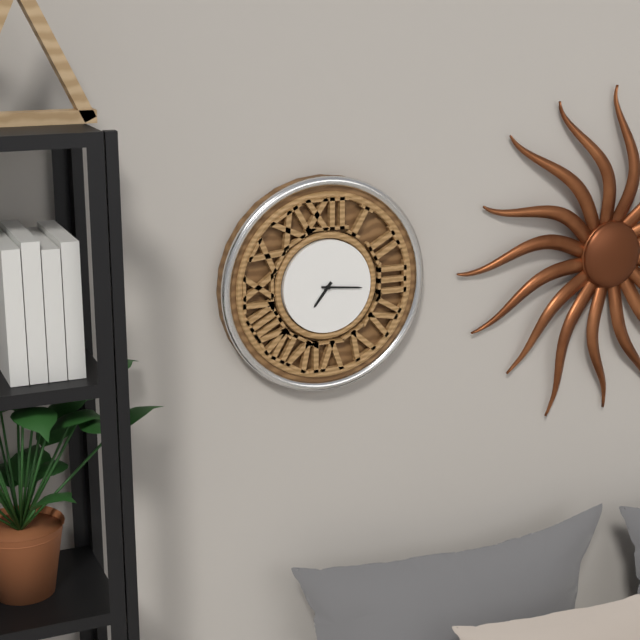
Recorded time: 7.16
